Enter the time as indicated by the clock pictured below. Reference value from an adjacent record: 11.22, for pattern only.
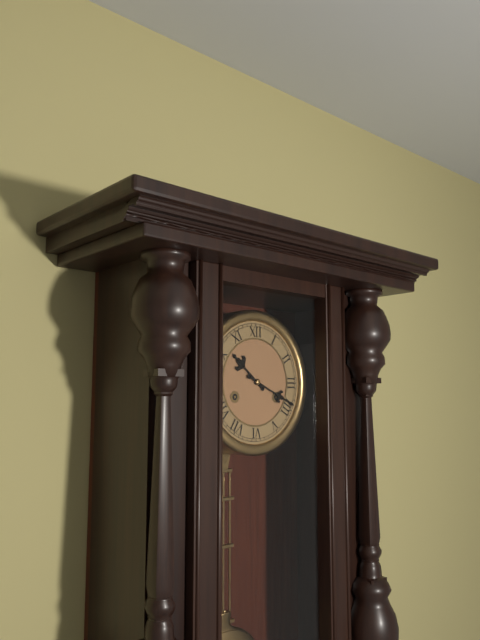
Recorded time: 10.19
